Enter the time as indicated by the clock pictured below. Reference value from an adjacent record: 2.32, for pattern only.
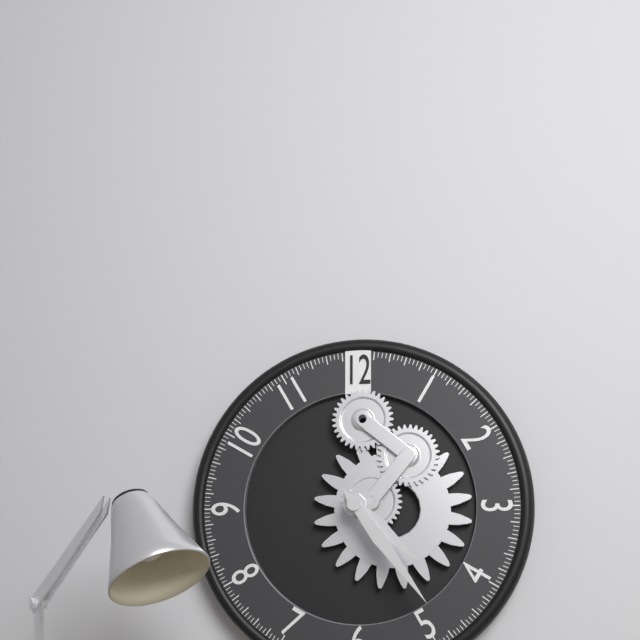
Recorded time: 4.24
